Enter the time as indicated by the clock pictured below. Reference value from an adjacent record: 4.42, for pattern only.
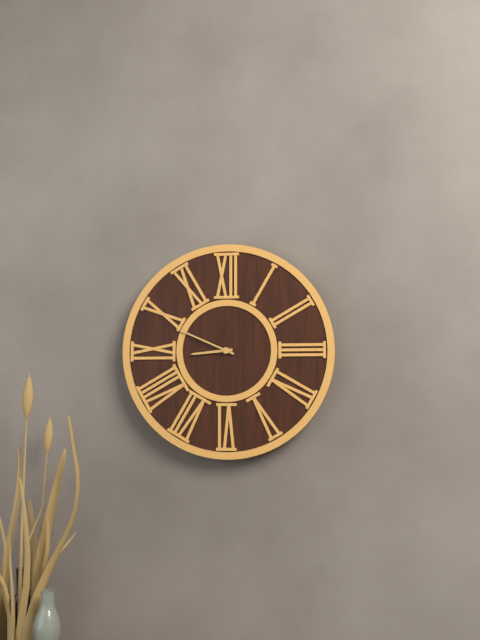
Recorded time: 8.49
